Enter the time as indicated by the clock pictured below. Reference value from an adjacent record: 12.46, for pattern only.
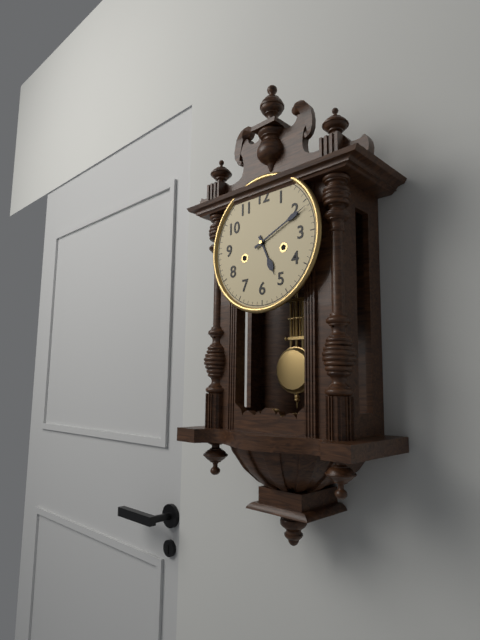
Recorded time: 5.11
